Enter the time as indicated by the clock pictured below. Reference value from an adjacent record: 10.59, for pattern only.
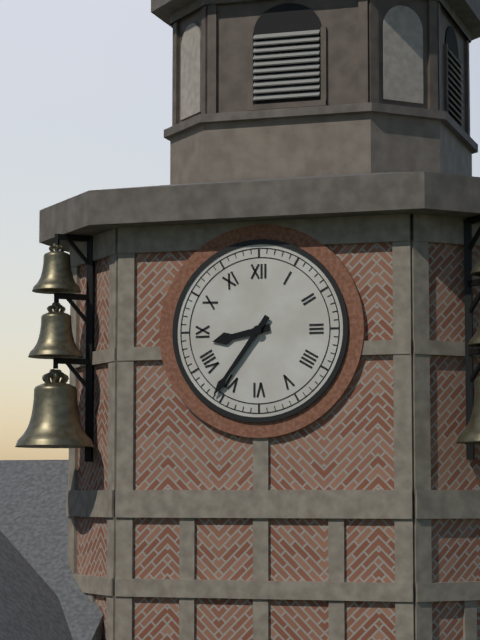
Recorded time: 8.36
